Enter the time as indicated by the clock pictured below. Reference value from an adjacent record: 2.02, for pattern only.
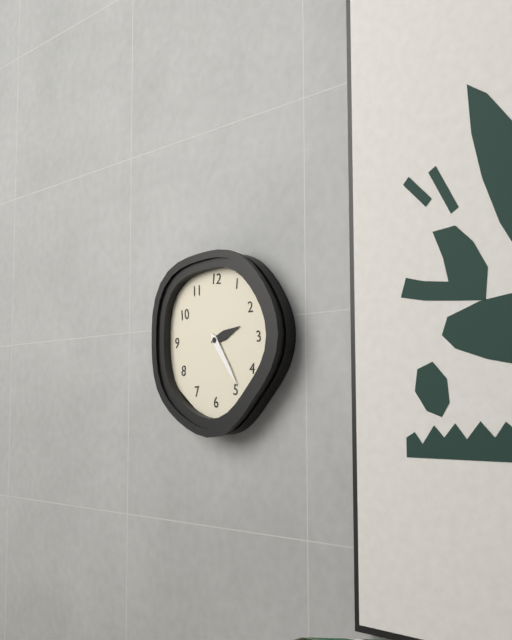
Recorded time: 2.24
